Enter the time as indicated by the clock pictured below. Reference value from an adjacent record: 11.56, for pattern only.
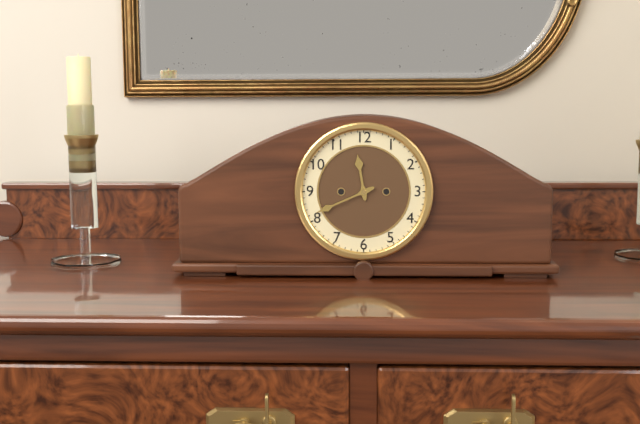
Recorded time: 11.41
